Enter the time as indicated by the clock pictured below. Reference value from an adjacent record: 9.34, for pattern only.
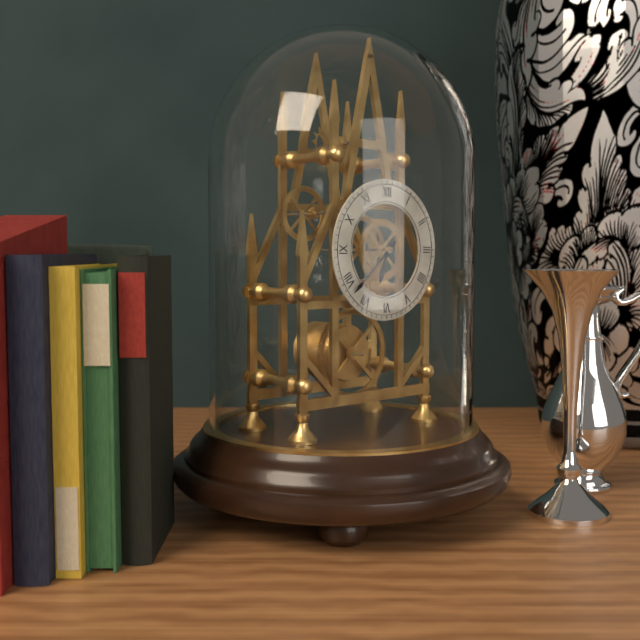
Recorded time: 6.38
